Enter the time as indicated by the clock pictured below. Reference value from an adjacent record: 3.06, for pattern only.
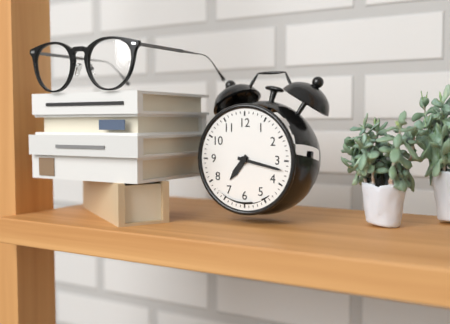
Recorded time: 7.17
